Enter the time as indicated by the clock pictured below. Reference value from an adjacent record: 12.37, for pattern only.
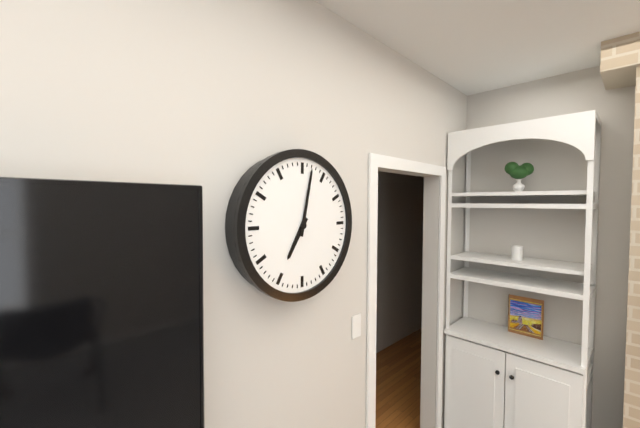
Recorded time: 7.02
